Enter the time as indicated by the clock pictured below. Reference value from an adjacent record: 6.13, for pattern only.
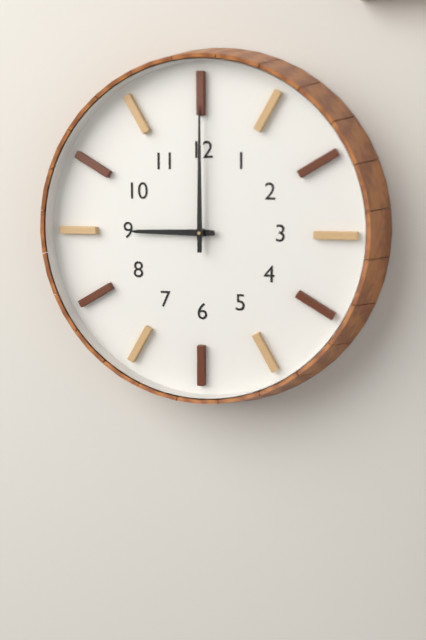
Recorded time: 9.00
